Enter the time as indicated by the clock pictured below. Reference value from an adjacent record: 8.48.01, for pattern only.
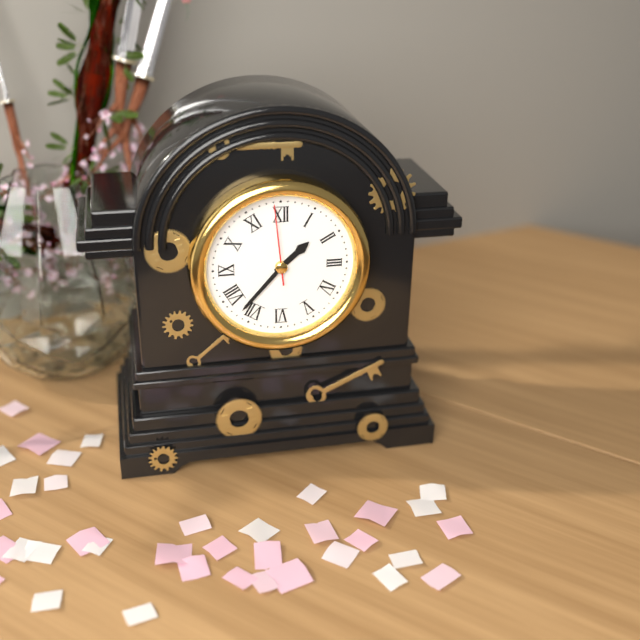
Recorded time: 1.37.59
